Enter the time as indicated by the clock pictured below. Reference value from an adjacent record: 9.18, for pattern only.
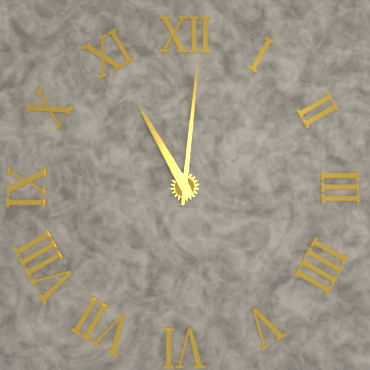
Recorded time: 11.01
